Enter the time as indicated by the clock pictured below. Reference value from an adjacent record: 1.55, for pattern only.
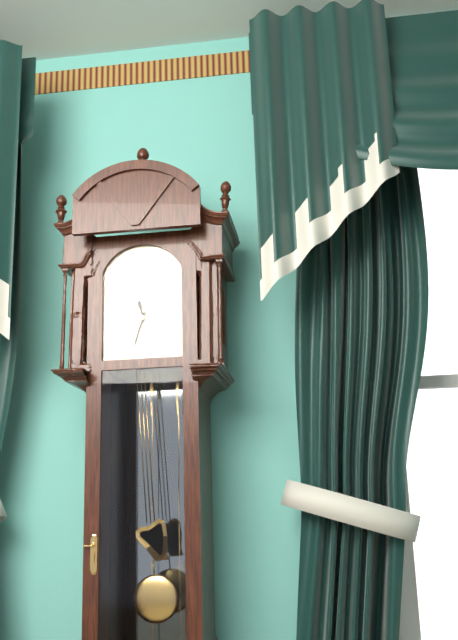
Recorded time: 11.33
